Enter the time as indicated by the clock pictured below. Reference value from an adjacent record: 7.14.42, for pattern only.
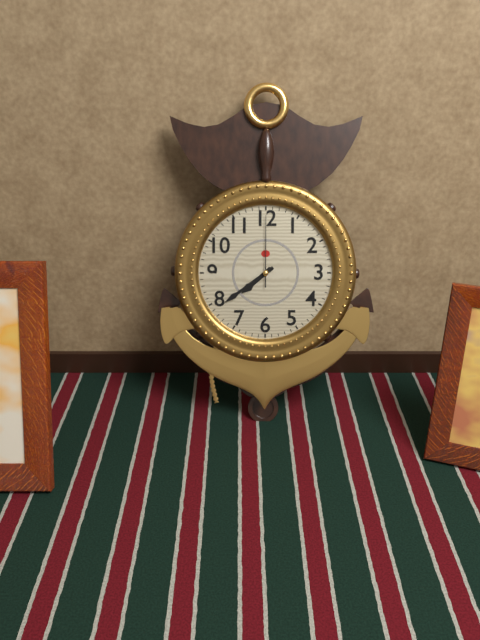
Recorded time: 7.39.00
